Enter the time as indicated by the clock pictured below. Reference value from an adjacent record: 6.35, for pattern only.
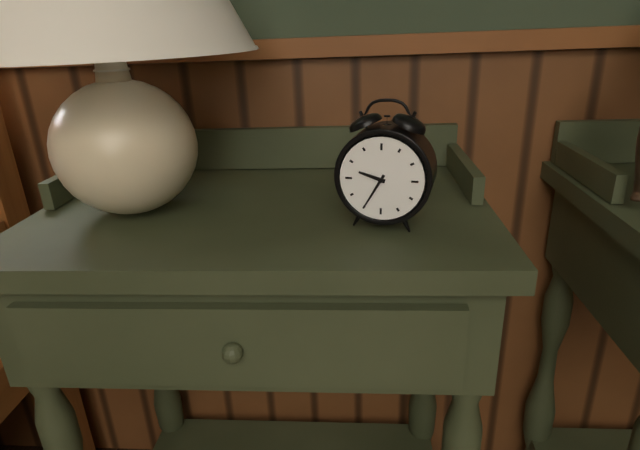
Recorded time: 9.35
